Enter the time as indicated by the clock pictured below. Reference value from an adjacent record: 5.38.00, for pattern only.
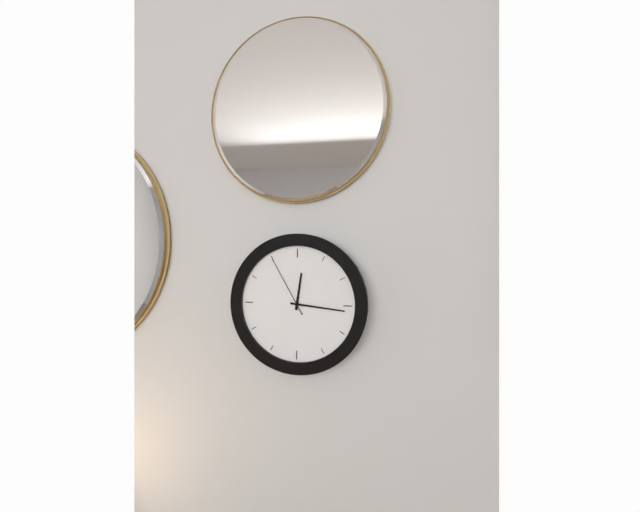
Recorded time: 12.16.55
